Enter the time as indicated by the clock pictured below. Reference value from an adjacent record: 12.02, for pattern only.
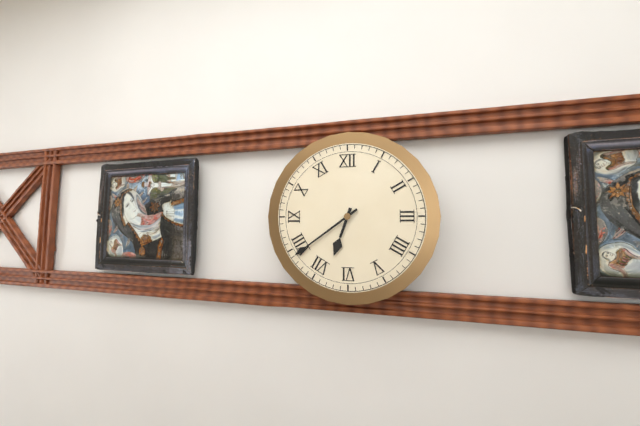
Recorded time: 6.39
